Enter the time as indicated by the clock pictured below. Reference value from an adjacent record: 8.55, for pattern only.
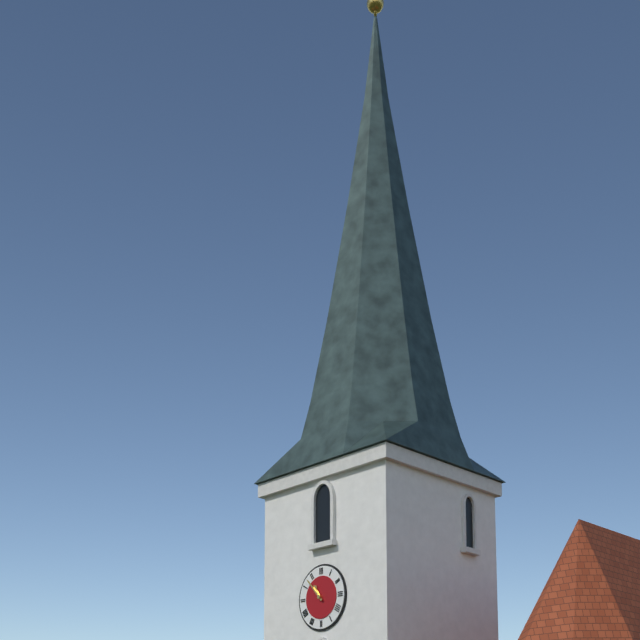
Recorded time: 10.53
